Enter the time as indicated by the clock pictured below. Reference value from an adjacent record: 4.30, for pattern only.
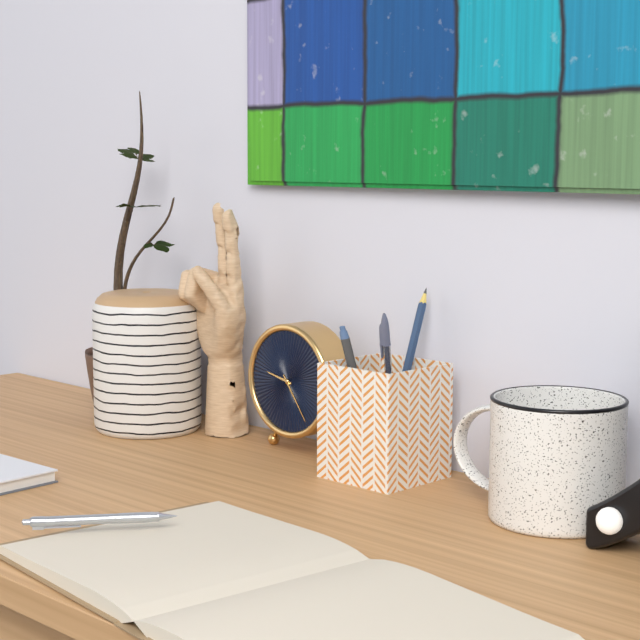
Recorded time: 9.24
